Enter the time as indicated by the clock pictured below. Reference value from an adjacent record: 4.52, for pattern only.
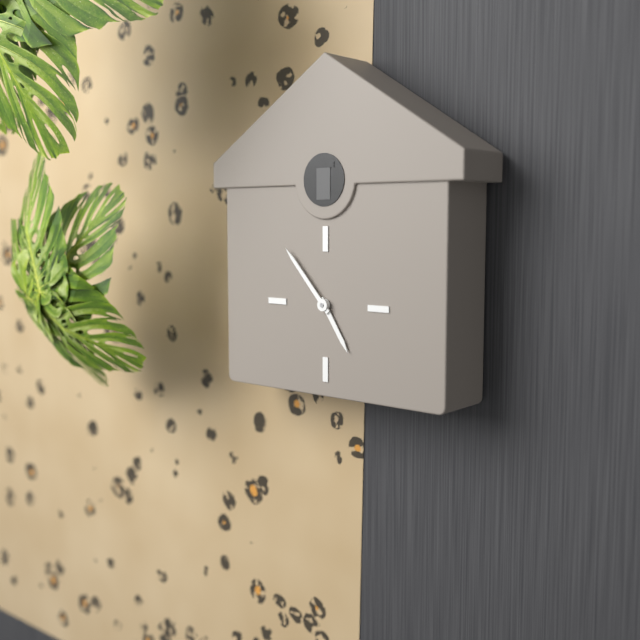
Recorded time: 4.53
